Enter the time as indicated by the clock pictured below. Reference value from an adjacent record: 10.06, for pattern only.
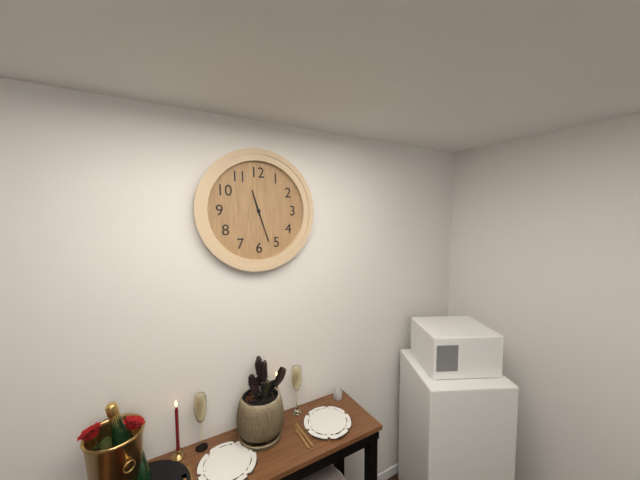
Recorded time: 11.27
